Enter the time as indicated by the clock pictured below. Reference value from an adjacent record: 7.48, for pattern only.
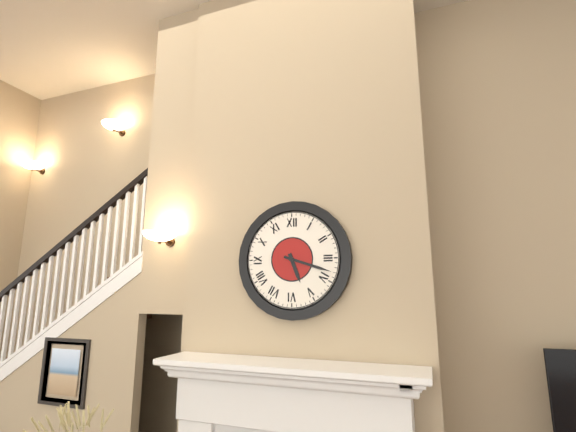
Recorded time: 5.18
